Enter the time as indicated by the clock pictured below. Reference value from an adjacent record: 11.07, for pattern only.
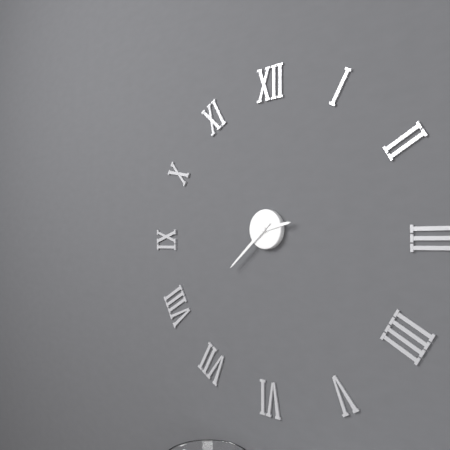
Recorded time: 2.38
